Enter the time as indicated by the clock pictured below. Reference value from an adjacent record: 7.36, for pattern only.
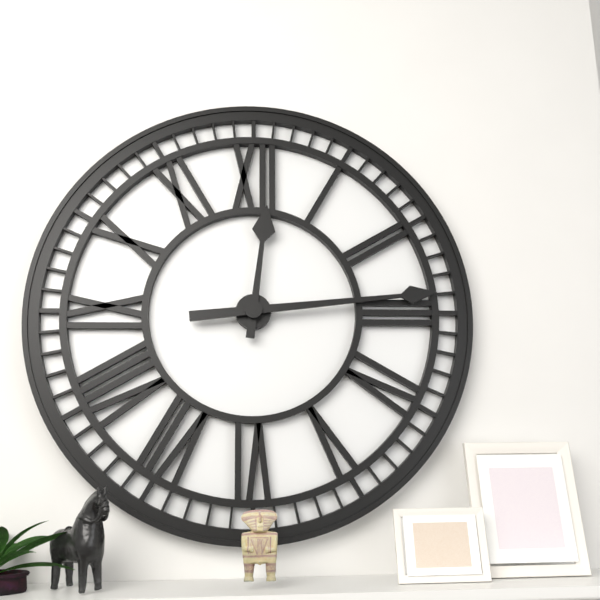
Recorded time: 12.14
